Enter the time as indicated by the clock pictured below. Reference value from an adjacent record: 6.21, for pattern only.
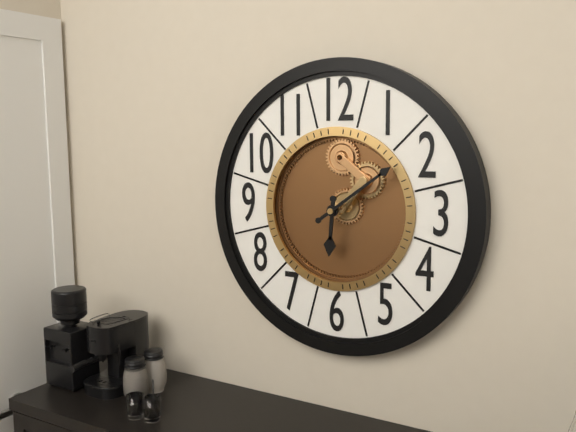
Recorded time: 6.09
